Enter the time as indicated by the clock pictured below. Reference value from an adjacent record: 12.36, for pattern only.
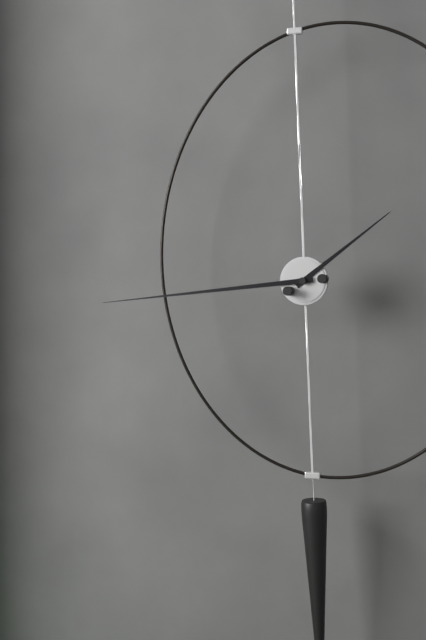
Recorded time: 1.44
